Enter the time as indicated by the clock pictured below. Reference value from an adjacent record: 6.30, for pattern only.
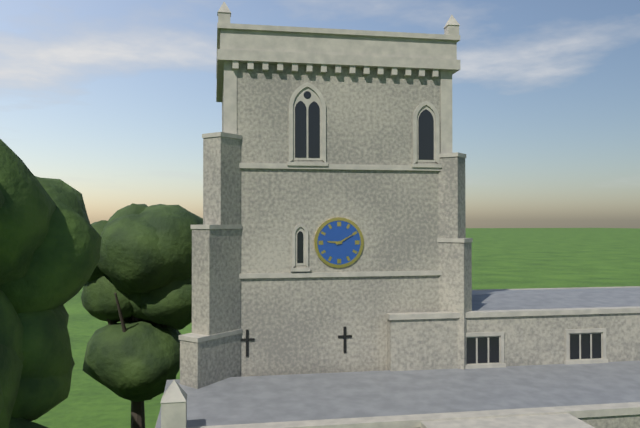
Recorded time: 9.10
